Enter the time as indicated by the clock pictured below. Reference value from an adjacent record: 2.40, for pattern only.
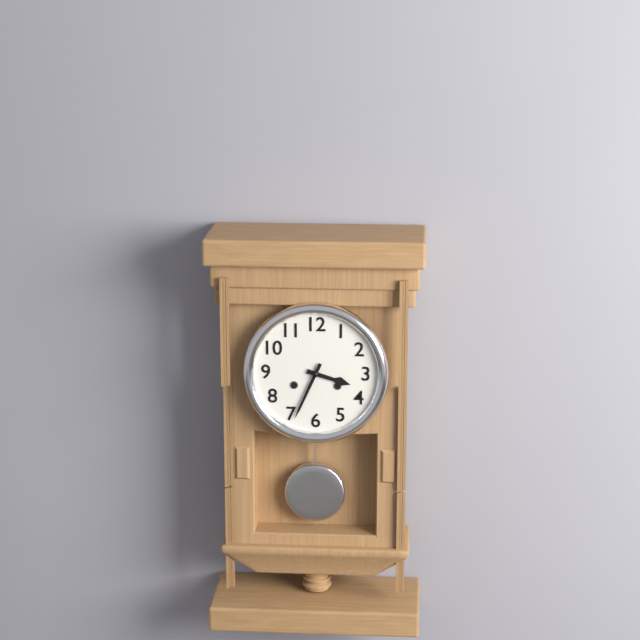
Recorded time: 3.34
